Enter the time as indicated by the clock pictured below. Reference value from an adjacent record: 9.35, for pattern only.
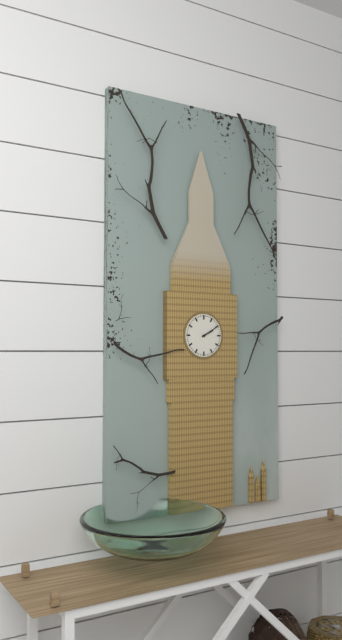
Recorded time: 2.10
